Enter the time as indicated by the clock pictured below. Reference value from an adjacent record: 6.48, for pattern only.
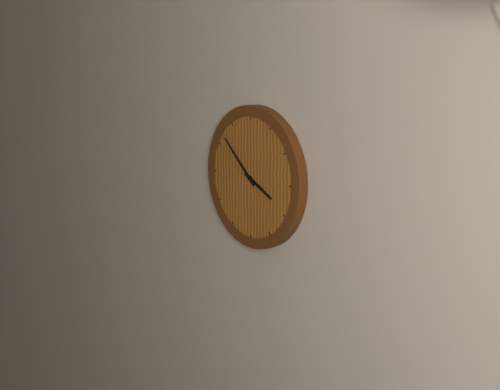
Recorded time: 3.52
